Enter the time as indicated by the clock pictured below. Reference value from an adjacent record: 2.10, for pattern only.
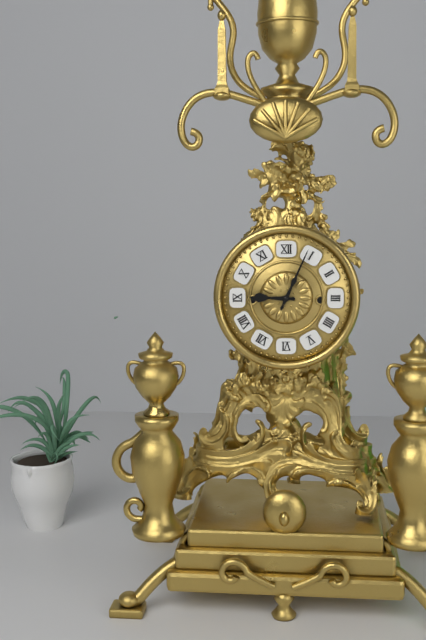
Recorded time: 9.04
